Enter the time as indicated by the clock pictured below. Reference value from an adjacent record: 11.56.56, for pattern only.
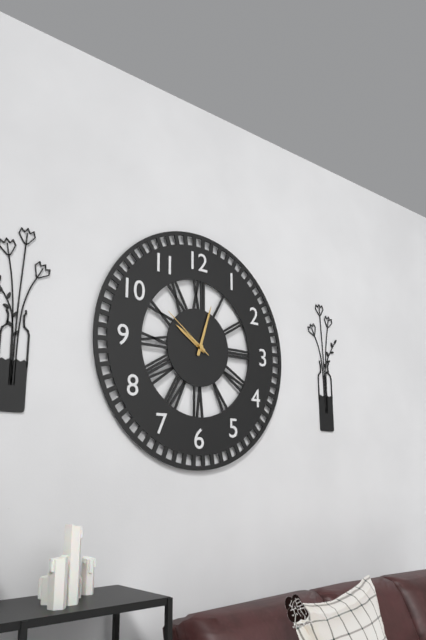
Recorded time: 10.03.51
